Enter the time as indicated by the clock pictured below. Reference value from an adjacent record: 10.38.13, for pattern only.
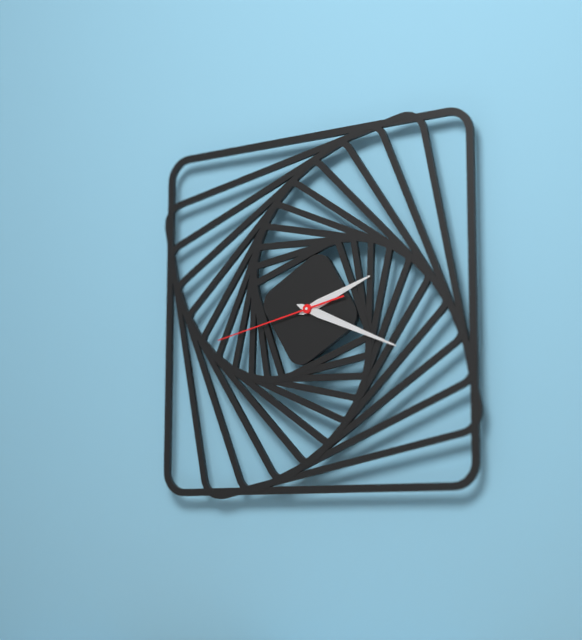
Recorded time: 2.19.43
